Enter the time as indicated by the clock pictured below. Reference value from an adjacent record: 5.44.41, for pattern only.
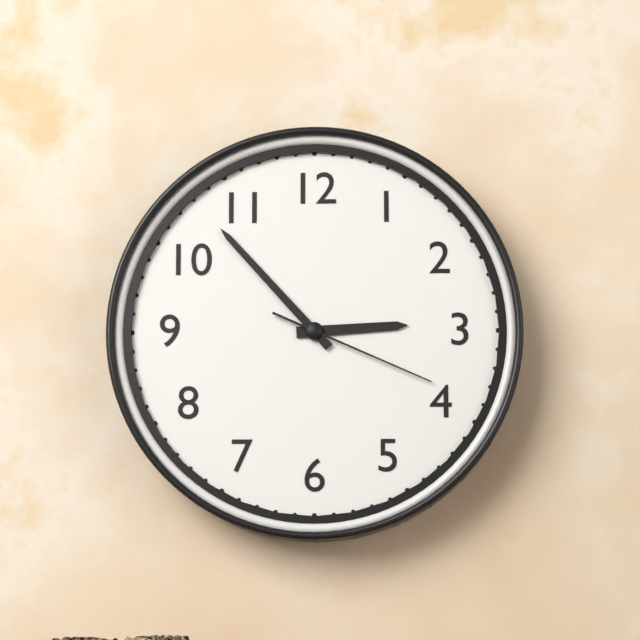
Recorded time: 2.53.19
